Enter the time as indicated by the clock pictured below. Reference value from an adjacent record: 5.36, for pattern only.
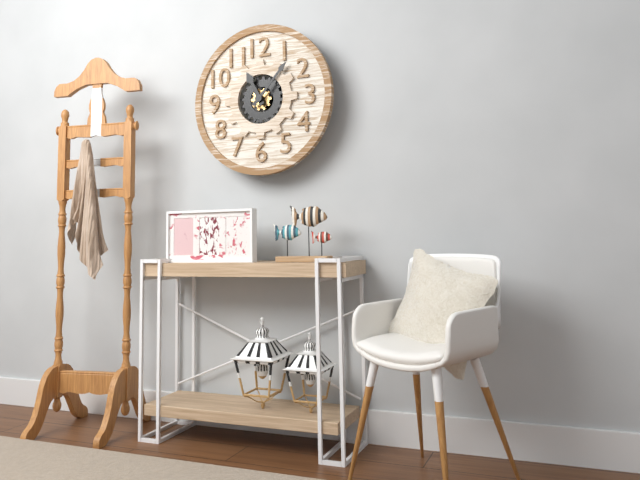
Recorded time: 11.07
